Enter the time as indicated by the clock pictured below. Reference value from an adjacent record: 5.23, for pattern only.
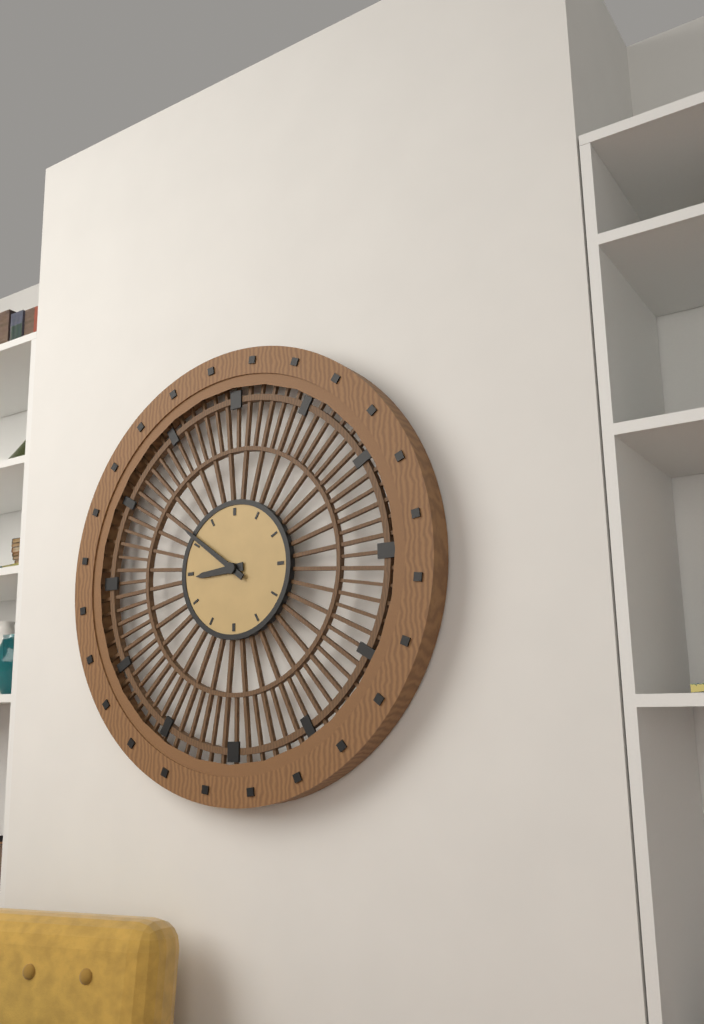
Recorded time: 8.51
